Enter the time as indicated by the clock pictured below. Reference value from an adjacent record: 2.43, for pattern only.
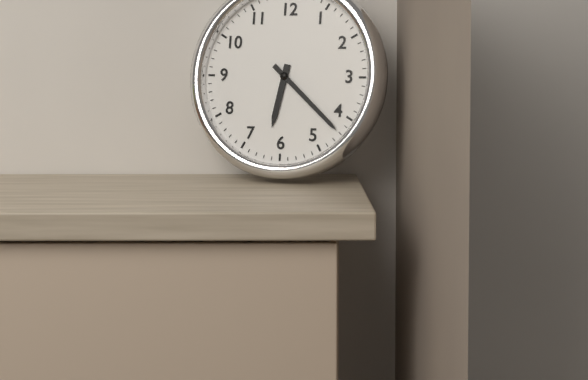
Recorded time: 6.22
